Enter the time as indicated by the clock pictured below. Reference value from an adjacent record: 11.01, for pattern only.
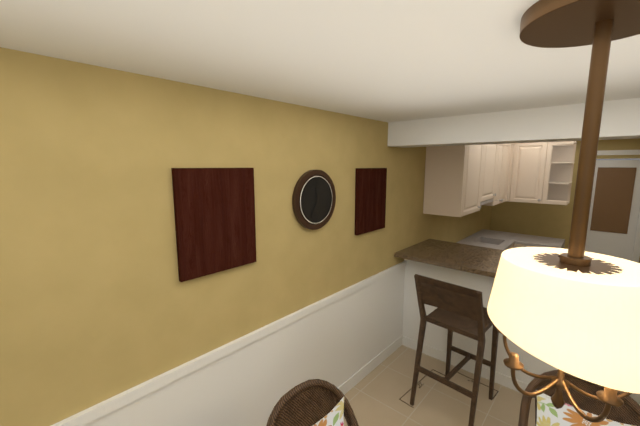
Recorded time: 11.35
